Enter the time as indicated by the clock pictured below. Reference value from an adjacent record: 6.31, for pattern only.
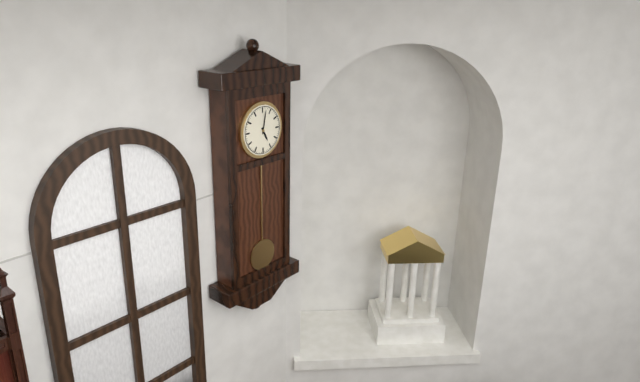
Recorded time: 5.02
